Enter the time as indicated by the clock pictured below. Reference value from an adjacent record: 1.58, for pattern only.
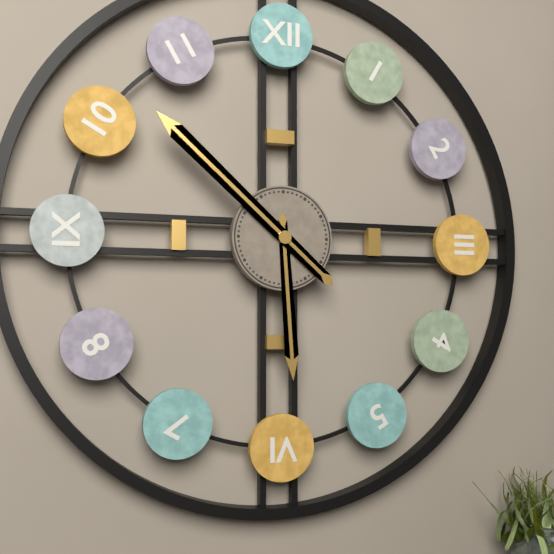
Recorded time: 5.52
